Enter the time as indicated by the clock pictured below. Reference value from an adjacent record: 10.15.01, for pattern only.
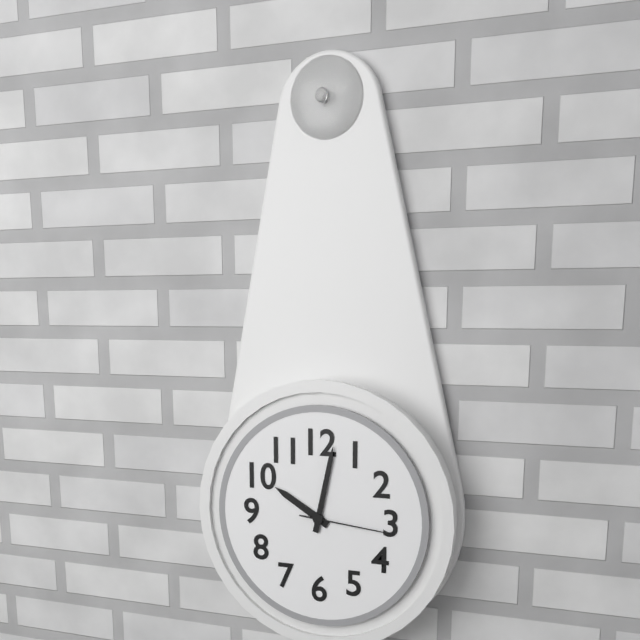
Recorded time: 10.02.16
